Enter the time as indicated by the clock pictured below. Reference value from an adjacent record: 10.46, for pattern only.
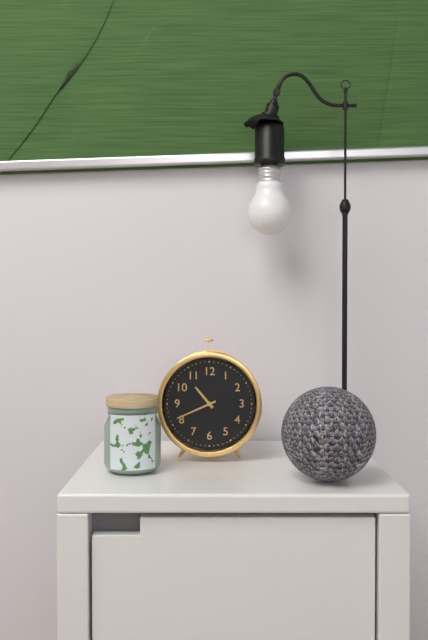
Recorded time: 10.41
